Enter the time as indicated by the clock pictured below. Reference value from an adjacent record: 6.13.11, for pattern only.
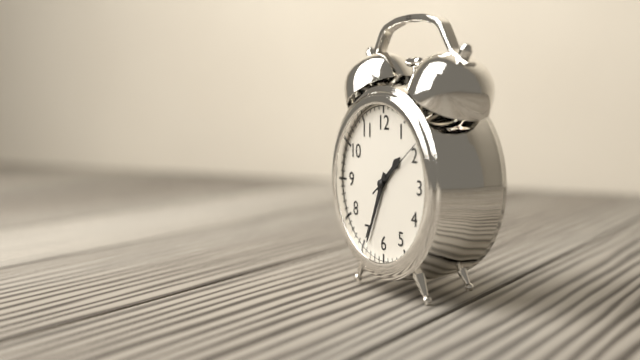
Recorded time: 1.34.09
